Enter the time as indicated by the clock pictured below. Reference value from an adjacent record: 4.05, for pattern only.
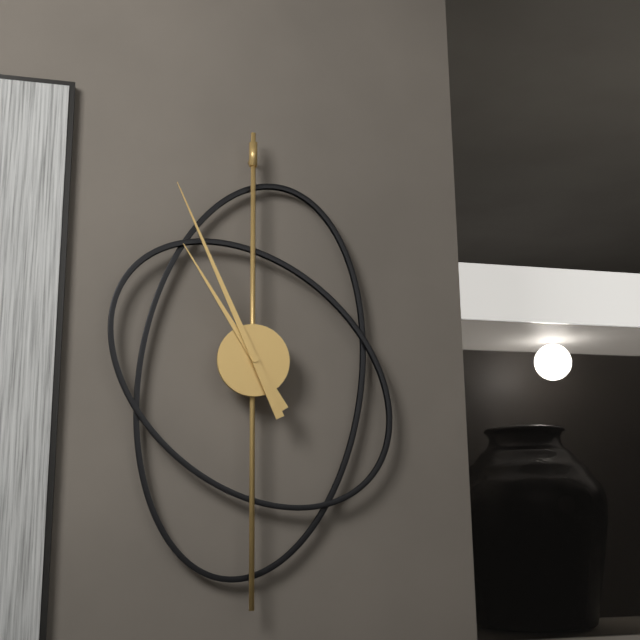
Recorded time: 10.56
